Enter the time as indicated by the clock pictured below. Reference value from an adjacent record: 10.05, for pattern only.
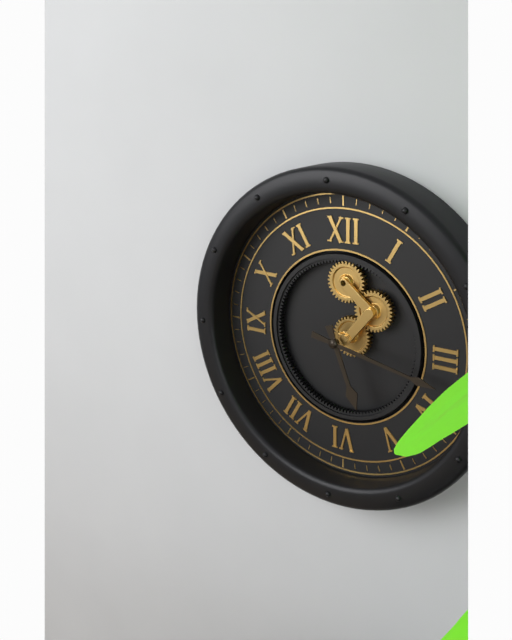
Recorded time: 5.17
